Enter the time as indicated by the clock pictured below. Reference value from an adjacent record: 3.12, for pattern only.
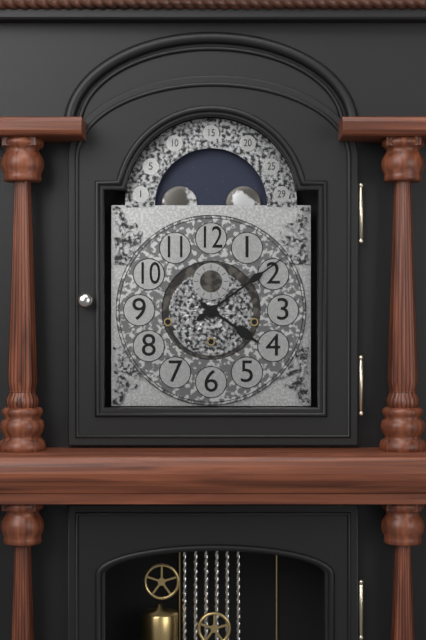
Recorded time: 4.09
